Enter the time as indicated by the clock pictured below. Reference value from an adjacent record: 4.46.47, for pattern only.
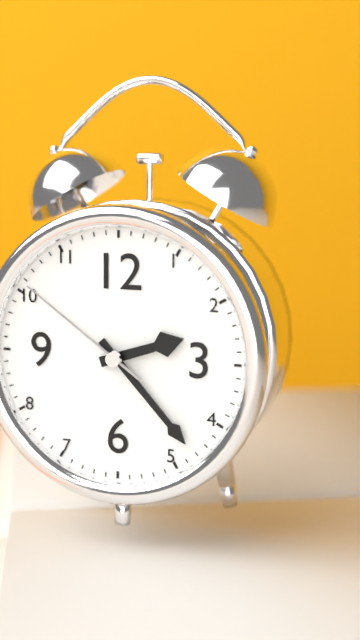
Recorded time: 2.23.51
